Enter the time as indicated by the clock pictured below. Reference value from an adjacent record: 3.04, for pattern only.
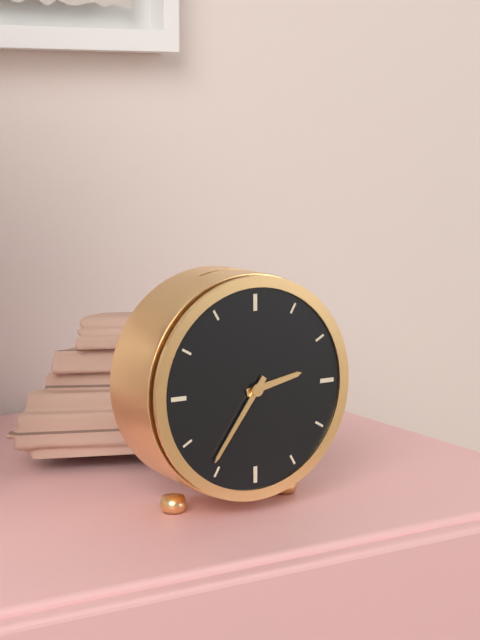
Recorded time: 2.36
